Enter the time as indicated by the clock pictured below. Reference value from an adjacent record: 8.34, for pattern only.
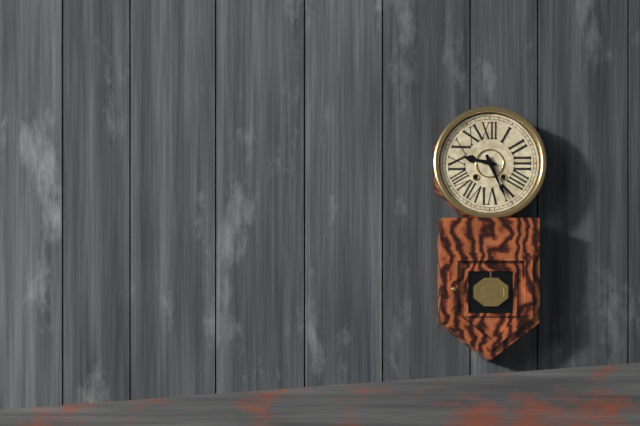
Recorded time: 9.26
